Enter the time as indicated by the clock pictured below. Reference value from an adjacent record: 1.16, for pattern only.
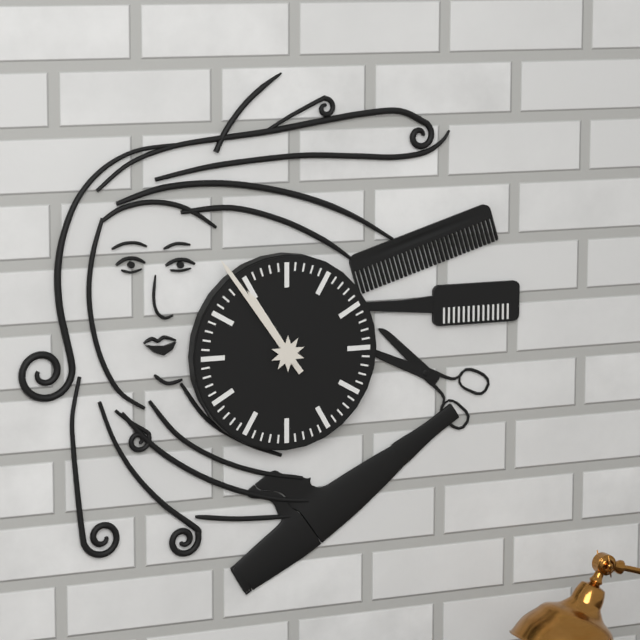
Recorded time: 10.54
